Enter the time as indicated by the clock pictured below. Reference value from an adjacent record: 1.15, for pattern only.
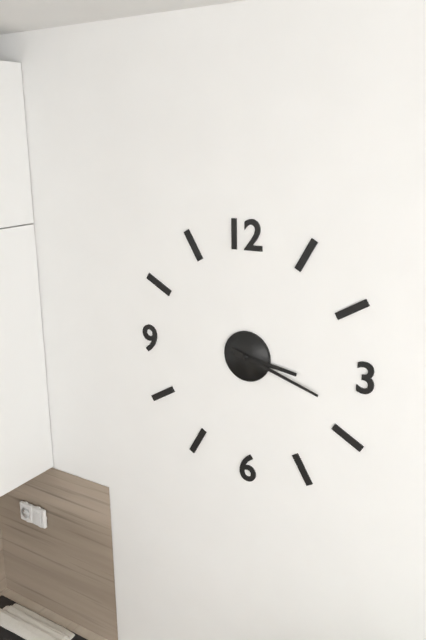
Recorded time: 3.18
